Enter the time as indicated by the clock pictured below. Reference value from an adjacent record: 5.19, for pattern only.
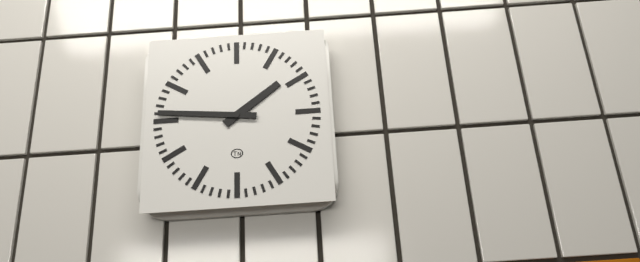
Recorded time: 1.46
